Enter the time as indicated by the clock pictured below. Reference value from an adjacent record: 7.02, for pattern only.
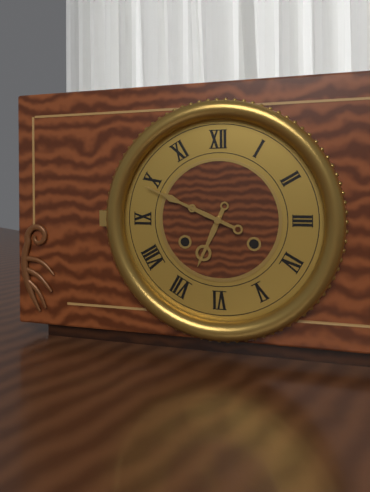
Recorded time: 6.49
